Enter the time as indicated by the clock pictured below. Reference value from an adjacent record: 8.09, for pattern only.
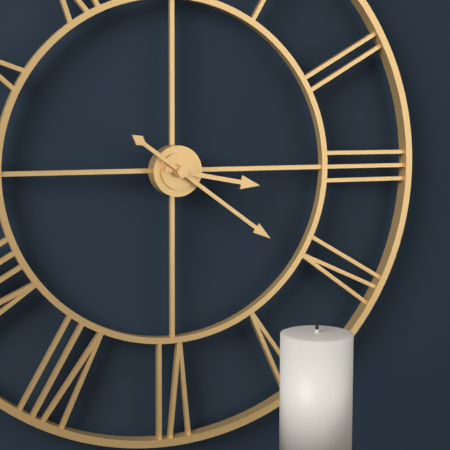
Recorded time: 3.21
